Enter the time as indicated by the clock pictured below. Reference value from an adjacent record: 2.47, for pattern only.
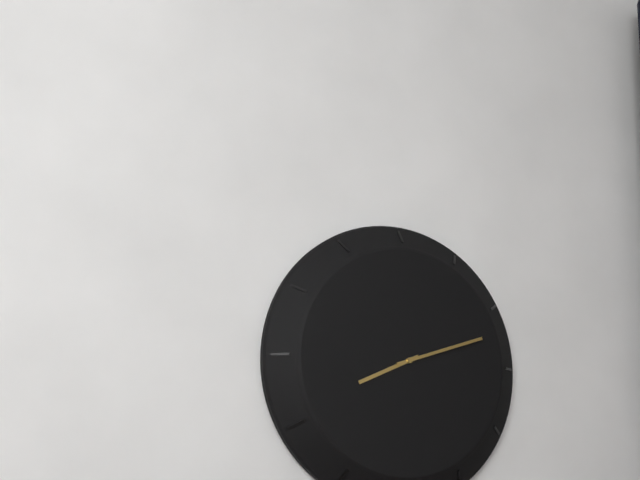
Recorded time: 8.12
